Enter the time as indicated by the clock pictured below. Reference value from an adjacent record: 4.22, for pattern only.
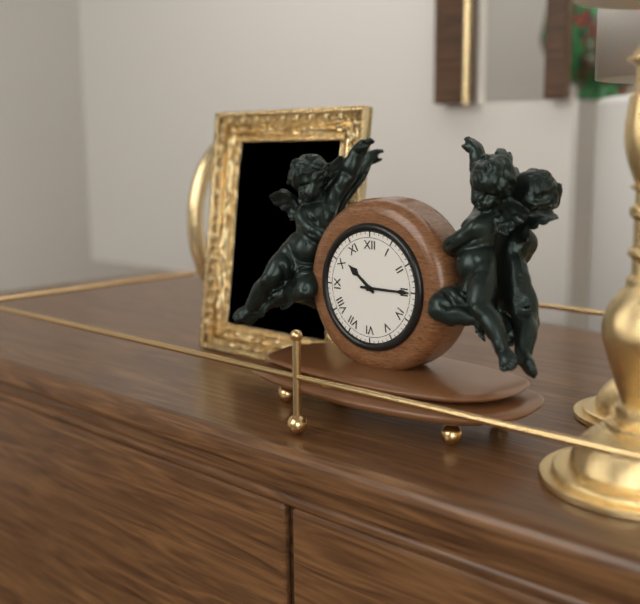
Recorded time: 10.15
